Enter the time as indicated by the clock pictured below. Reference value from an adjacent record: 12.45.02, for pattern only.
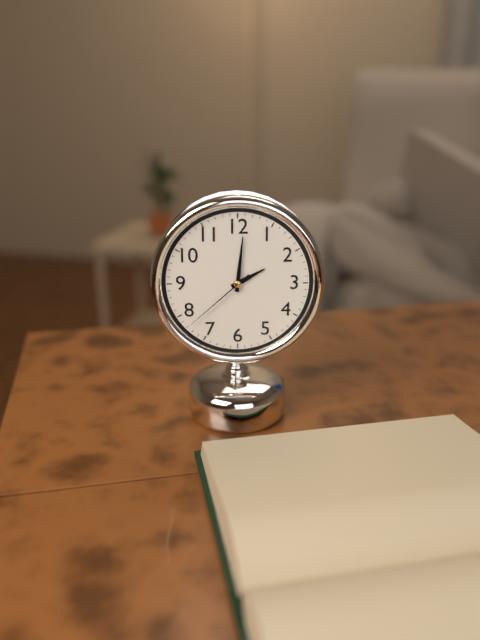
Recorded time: 2.01.38
